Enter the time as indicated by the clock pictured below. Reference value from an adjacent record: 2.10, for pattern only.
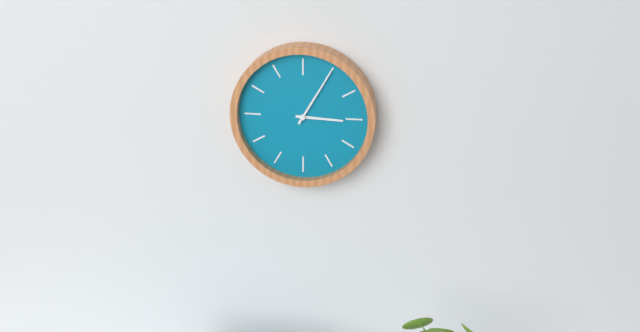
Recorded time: 3.05
